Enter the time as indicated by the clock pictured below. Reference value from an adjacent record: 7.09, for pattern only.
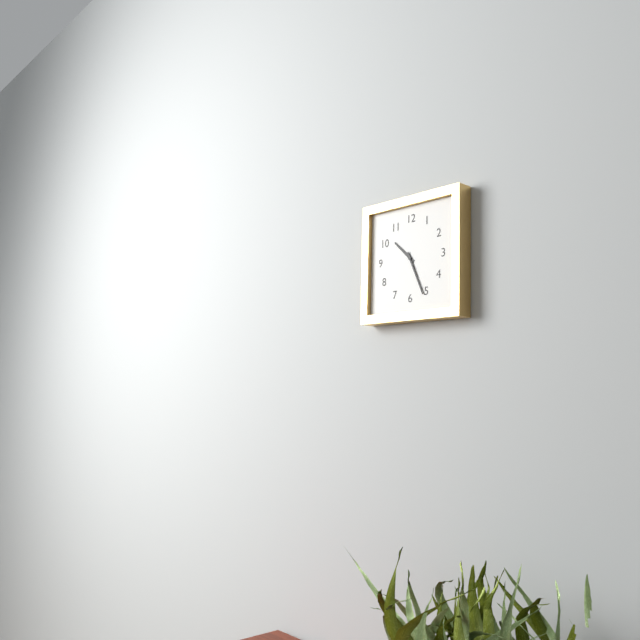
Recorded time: 10.26
